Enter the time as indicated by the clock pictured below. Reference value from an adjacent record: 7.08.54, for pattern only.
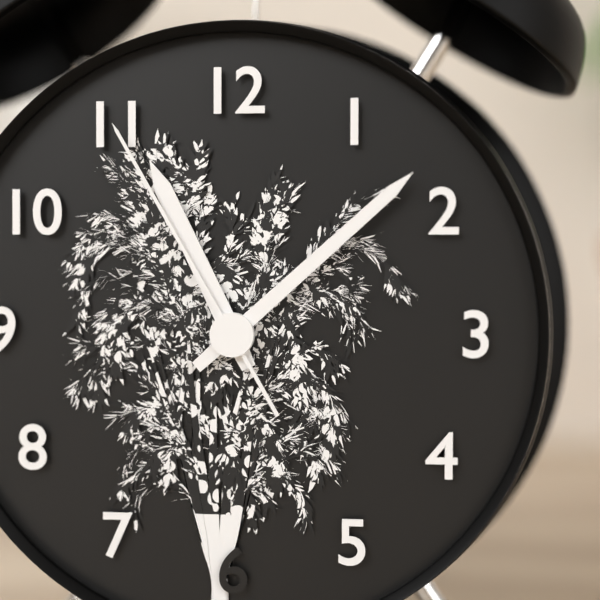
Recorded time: 11.08.55
